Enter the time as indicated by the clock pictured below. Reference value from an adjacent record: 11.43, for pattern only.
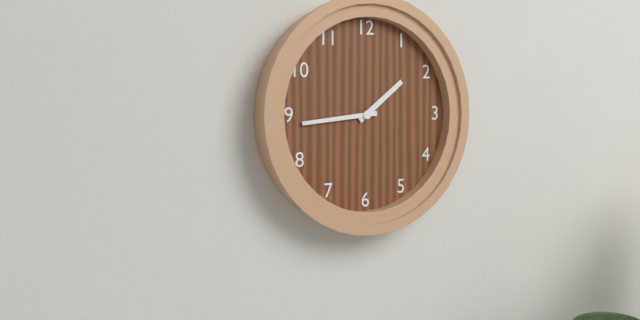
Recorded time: 1.44
